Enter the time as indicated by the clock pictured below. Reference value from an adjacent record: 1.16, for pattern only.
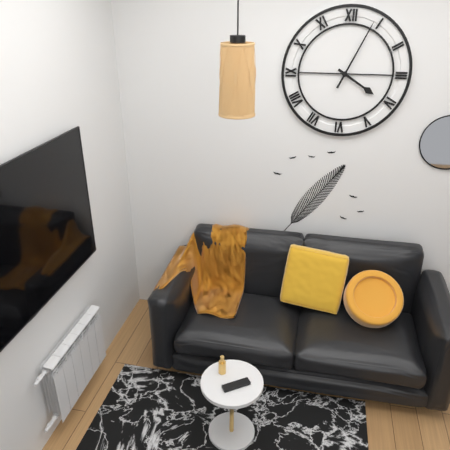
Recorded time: 4.04
